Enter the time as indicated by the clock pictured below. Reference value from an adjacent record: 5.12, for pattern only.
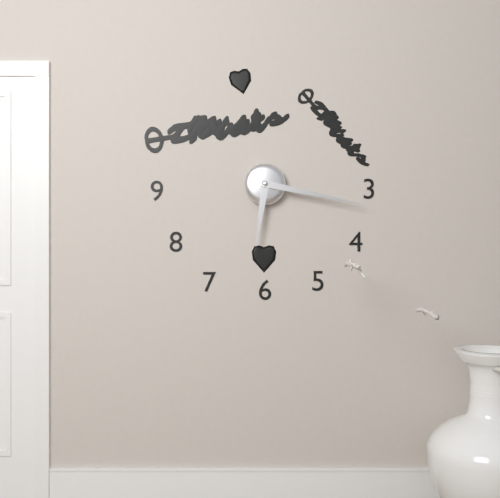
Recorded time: 6.17
